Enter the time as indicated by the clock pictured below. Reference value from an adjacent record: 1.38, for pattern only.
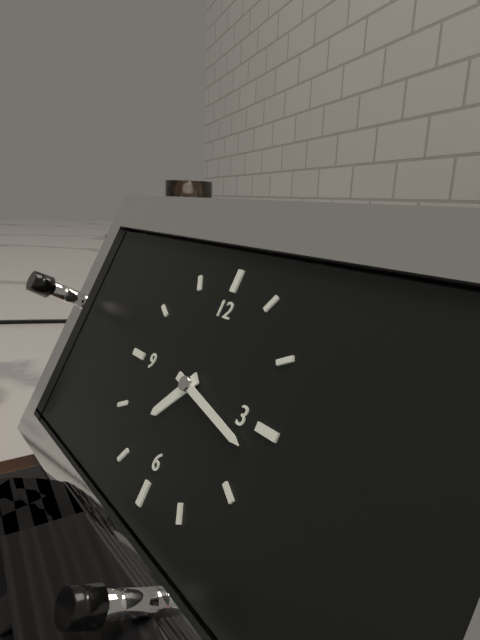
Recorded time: 7.17
